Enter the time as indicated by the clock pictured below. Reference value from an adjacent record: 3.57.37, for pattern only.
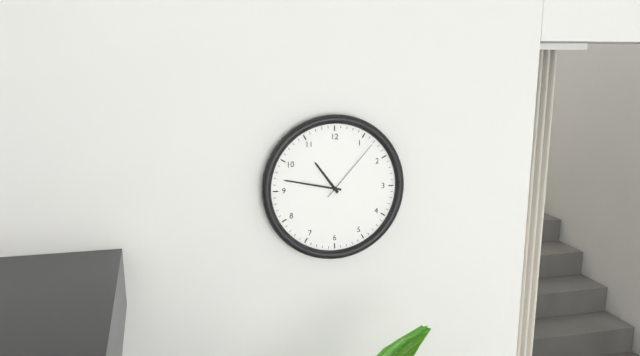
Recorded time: 10.47.07
